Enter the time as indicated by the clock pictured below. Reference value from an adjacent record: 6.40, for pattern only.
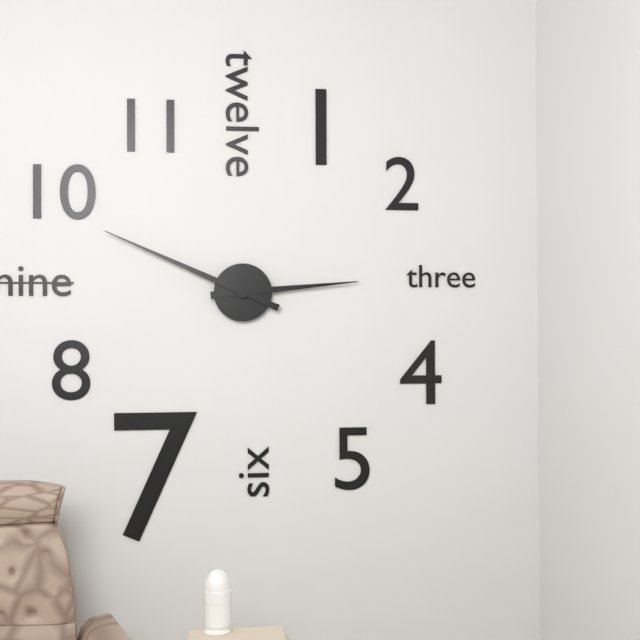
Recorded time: 2.49
